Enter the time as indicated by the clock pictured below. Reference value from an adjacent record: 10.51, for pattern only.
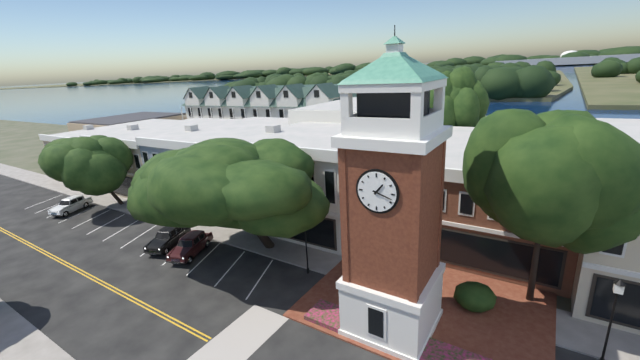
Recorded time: 1.18
